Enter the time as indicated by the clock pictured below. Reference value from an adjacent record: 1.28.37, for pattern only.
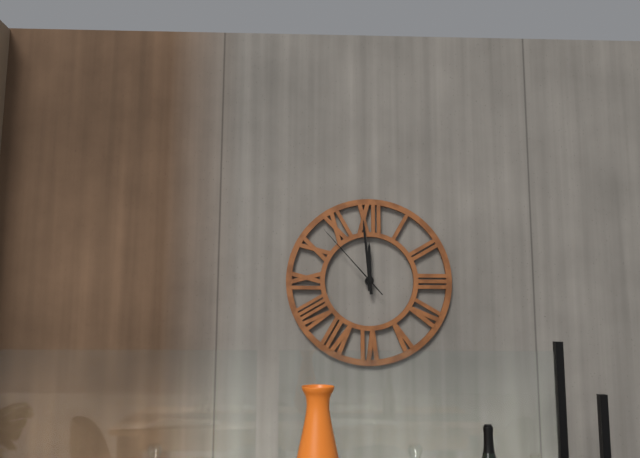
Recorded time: 11.59.53
